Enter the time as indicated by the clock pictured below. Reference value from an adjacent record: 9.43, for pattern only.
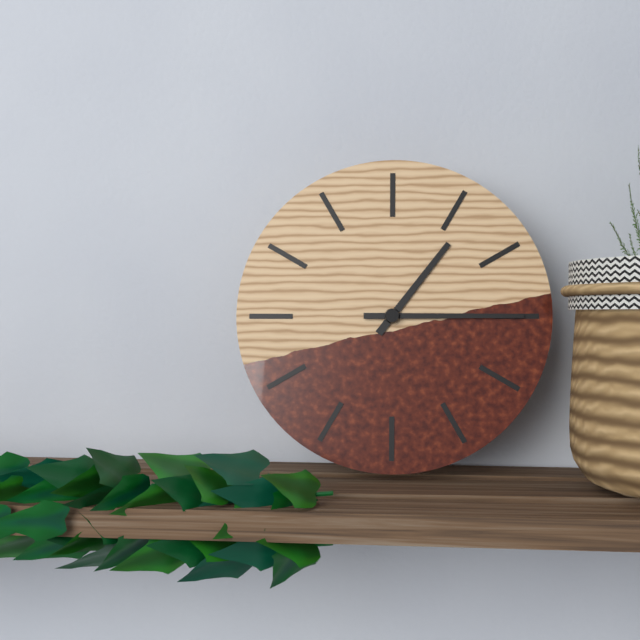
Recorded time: 1.15
